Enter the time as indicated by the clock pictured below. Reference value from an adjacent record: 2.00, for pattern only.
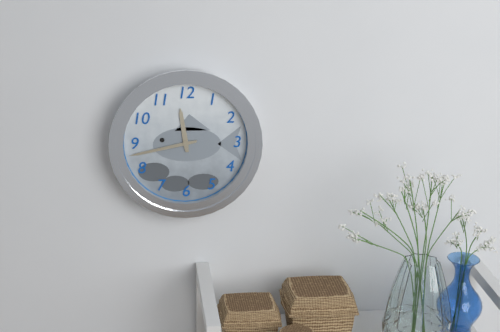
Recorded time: 11.43
